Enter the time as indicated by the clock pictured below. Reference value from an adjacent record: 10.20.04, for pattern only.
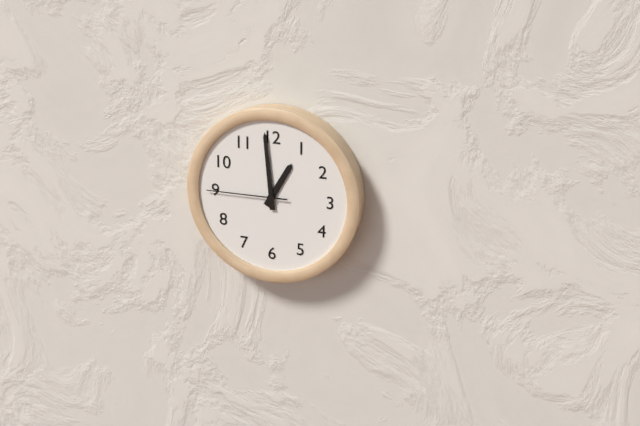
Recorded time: 12.59.45
